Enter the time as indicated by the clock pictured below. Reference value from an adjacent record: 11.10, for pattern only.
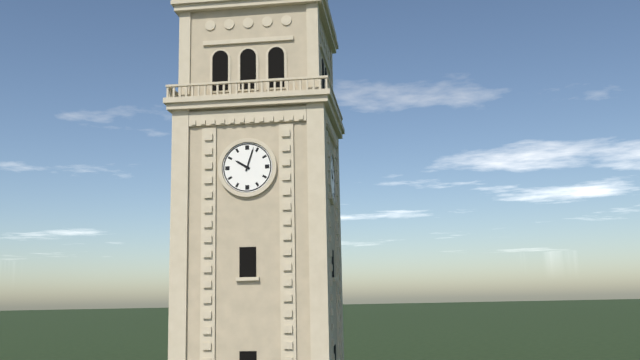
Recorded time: 10.03
